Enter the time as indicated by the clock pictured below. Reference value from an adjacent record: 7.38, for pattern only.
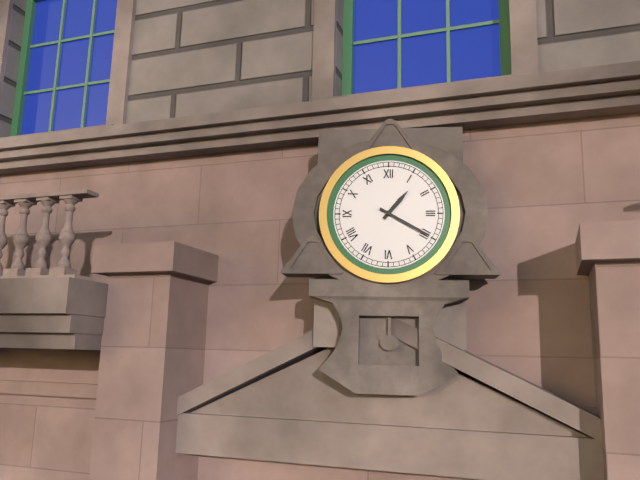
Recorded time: 1.20
